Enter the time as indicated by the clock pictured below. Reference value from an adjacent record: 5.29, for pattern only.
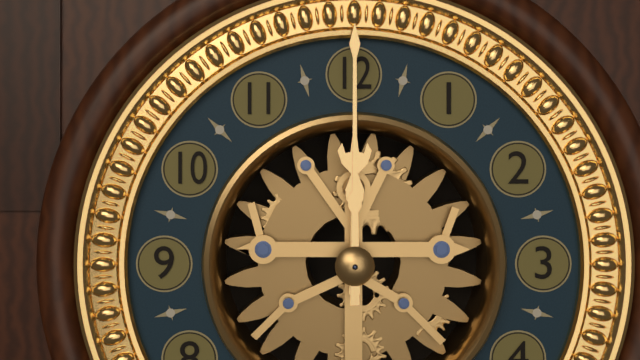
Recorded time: 12.00
